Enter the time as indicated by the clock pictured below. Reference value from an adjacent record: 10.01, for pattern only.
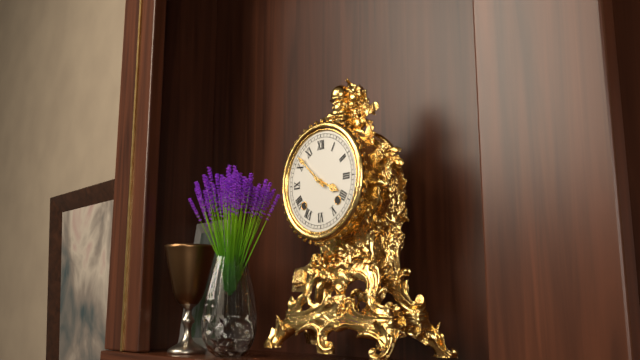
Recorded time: 3.52
